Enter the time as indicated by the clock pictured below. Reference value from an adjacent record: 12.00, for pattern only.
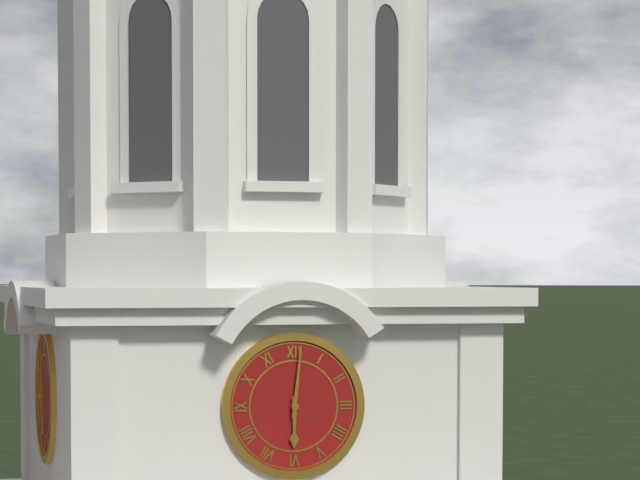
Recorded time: 6.01
